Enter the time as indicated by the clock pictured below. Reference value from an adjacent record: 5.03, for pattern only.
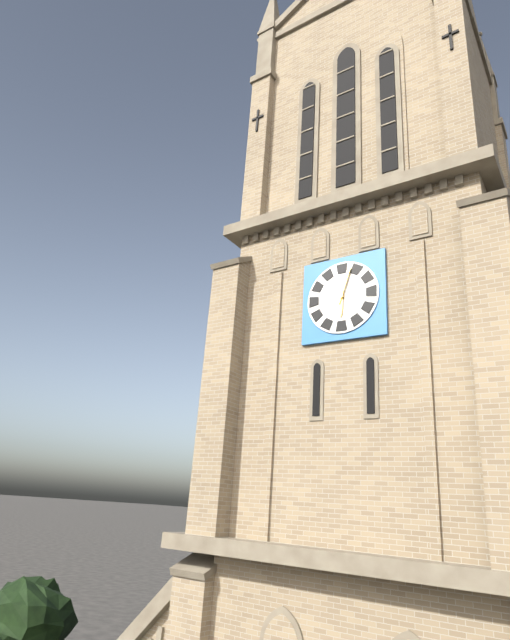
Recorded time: 6.03
